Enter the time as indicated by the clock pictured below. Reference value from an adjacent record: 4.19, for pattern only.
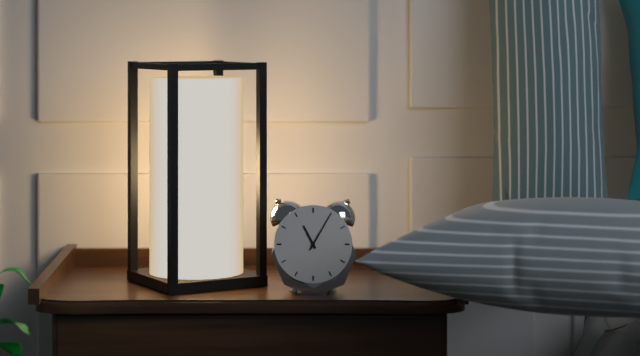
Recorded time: 11.05
